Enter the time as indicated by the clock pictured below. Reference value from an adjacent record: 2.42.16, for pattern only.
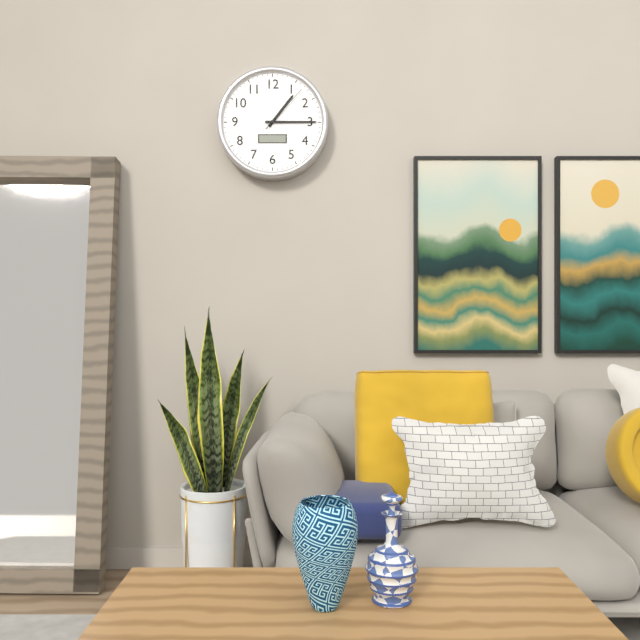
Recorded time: 1.15.07
